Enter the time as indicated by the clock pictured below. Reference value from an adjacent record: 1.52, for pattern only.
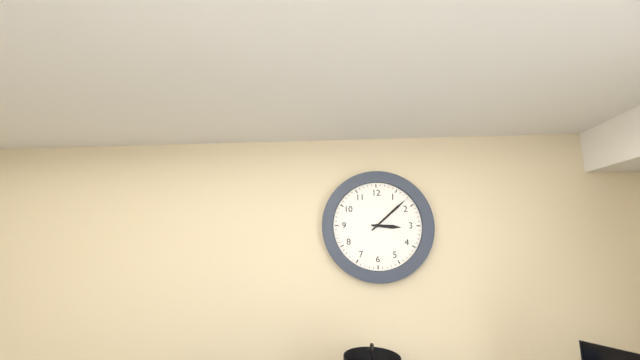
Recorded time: 3.08
